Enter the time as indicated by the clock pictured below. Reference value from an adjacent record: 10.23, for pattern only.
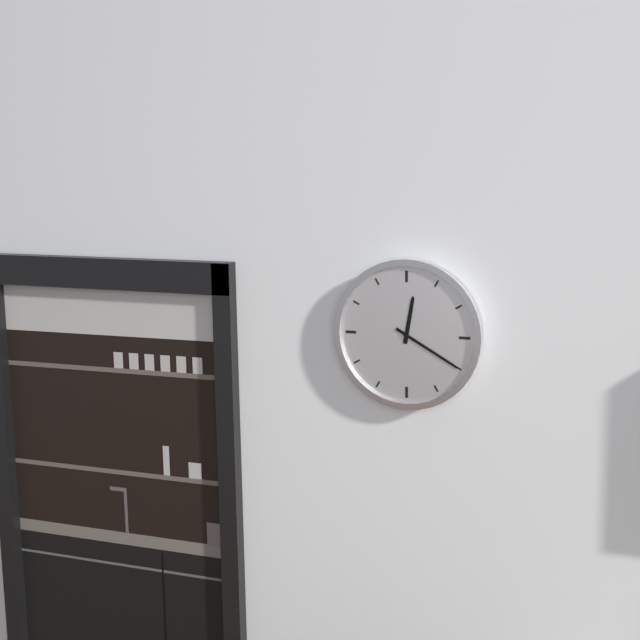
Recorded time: 12.20
